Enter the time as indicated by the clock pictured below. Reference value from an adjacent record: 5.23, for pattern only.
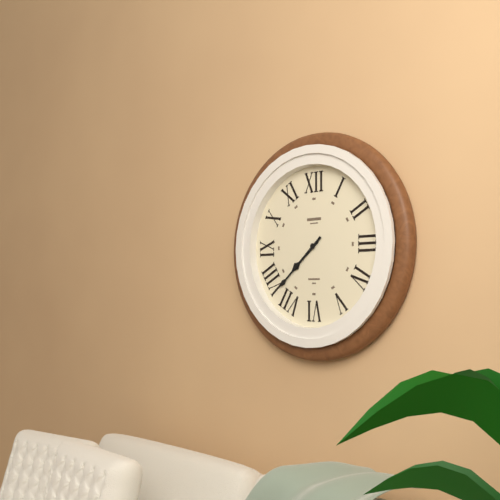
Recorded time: 7.38
